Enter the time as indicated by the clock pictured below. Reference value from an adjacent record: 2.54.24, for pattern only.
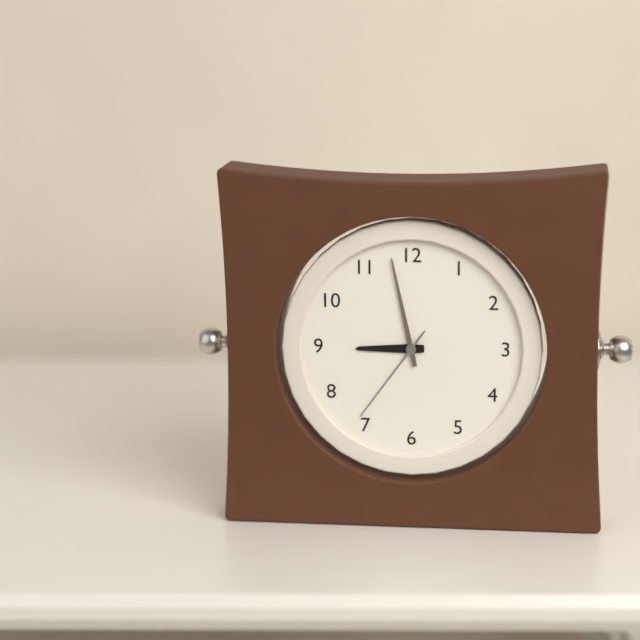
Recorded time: 8.58.36
